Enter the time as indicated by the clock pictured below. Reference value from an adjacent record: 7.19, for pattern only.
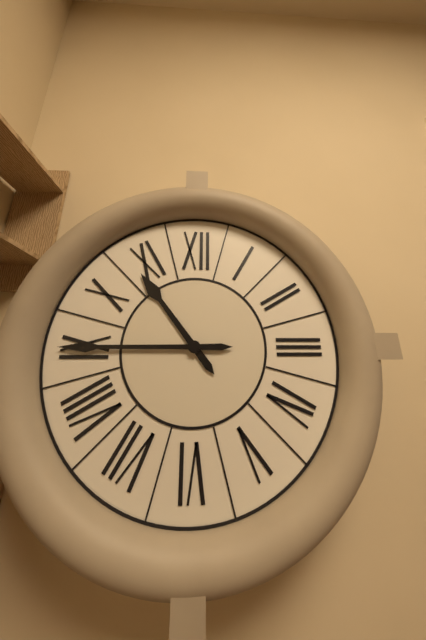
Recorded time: 10.45
